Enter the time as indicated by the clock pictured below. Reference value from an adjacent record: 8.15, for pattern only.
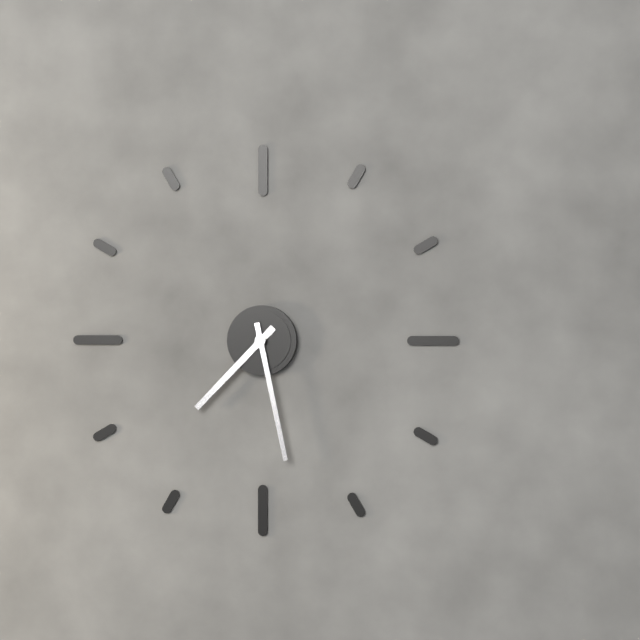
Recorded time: 7.28
